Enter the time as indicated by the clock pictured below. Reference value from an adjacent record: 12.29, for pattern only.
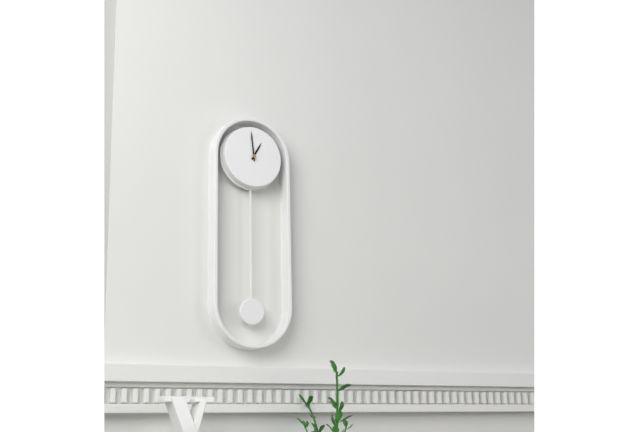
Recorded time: 12.59
